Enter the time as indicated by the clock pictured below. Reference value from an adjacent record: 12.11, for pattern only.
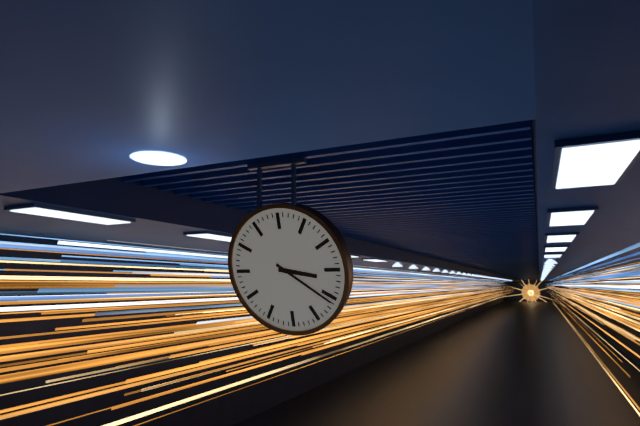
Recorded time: 3.21
